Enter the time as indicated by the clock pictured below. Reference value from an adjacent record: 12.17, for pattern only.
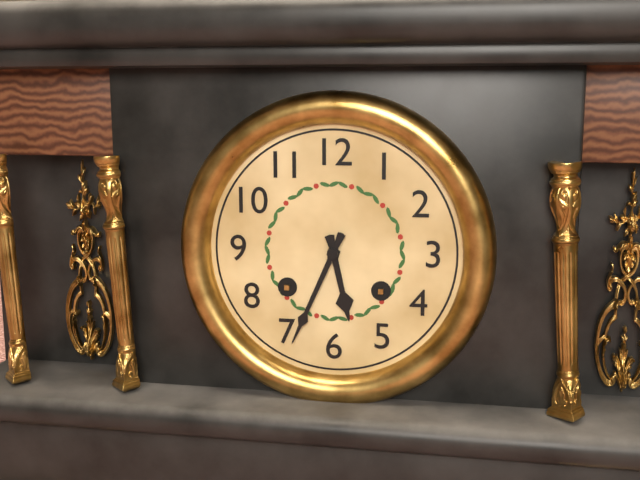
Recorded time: 5.34
